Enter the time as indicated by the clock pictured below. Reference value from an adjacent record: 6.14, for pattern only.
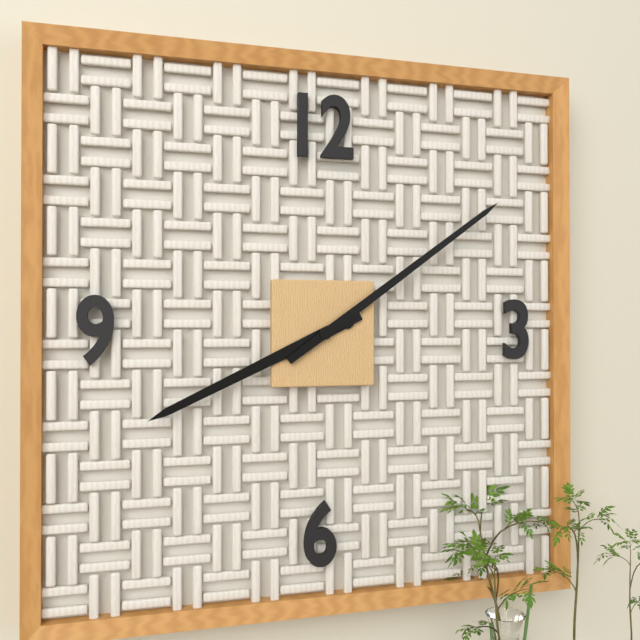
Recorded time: 8.09
